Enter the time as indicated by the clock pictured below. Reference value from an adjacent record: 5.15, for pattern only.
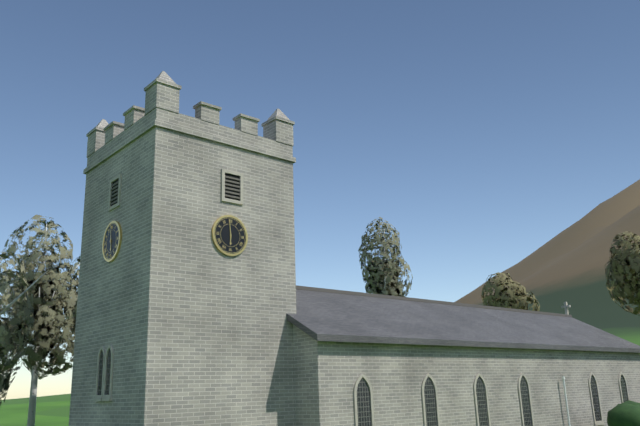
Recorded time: 5.59
